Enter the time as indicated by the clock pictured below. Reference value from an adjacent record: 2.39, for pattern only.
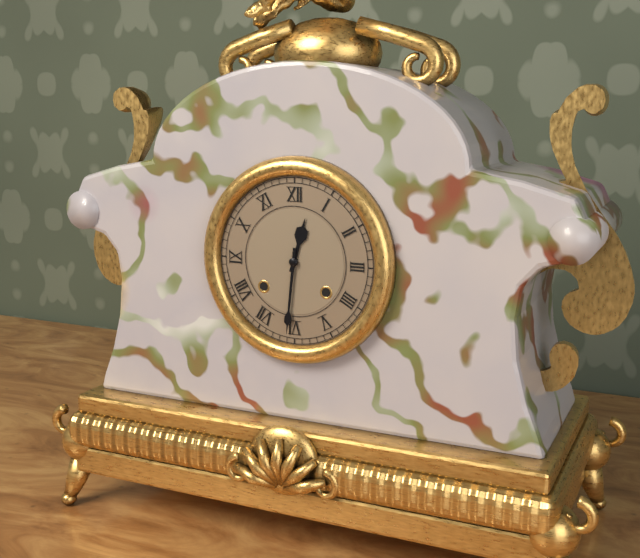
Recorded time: 12.31
